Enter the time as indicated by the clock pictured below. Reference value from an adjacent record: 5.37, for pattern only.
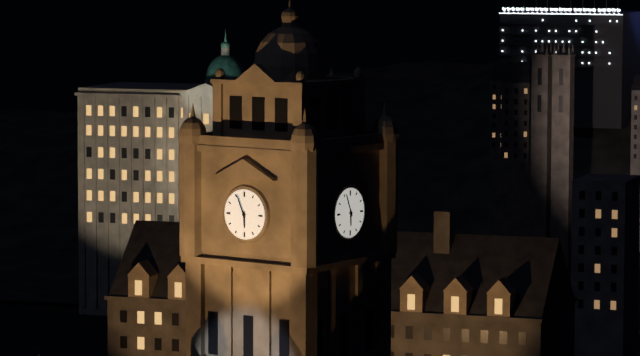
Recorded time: 5.56
